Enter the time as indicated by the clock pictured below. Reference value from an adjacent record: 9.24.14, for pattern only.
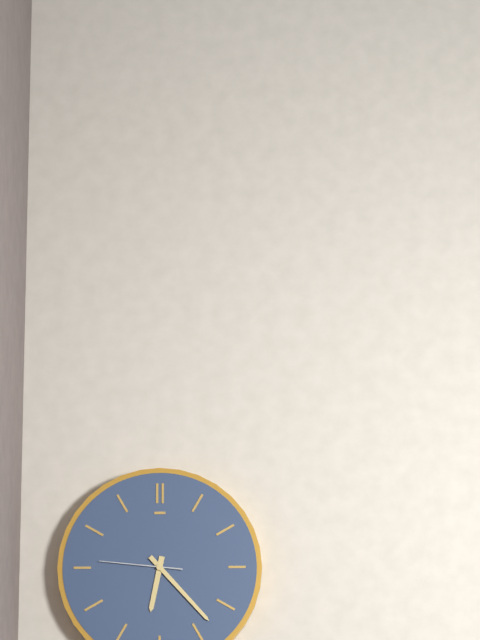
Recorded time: 6.23.46
